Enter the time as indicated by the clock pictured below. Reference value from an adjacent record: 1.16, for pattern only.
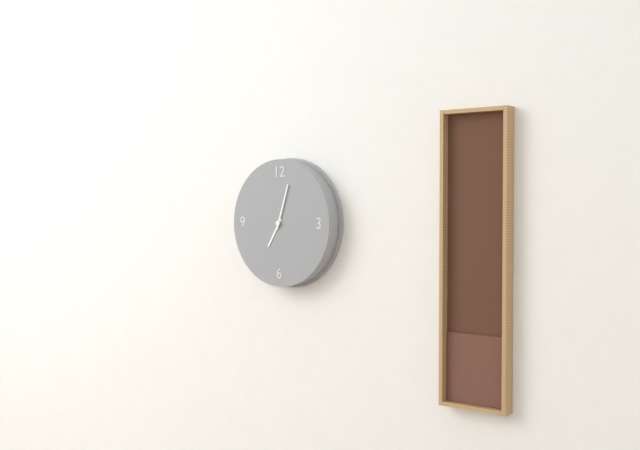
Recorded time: 7.03
